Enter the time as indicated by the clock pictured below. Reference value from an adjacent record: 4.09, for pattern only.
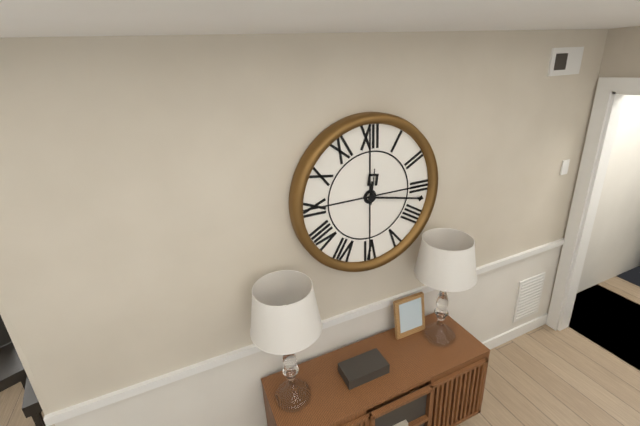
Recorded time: 12.17
